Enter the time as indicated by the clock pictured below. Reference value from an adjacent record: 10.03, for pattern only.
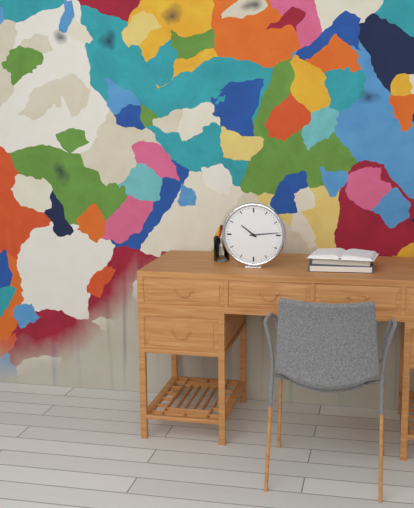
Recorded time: 10.14
